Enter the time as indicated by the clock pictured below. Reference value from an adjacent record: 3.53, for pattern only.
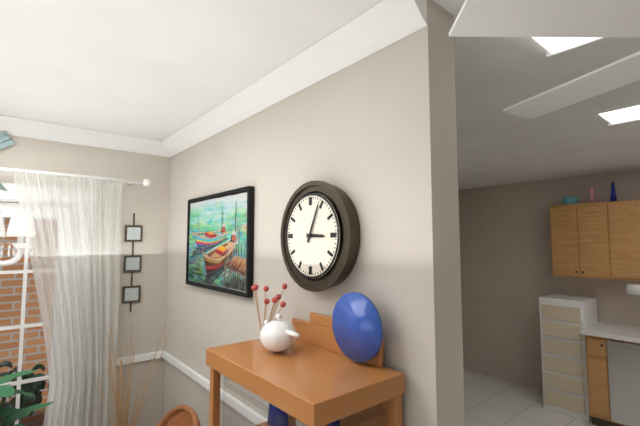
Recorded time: 3.04
